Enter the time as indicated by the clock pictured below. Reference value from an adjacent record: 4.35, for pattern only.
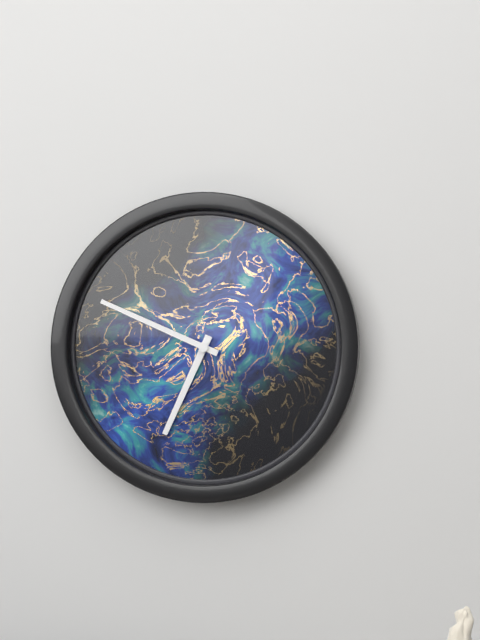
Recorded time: 6.49
